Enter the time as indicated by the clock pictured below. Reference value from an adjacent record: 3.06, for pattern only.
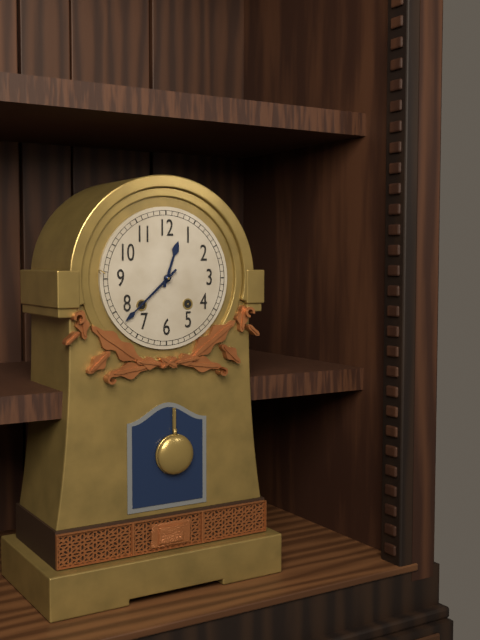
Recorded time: 12.38
